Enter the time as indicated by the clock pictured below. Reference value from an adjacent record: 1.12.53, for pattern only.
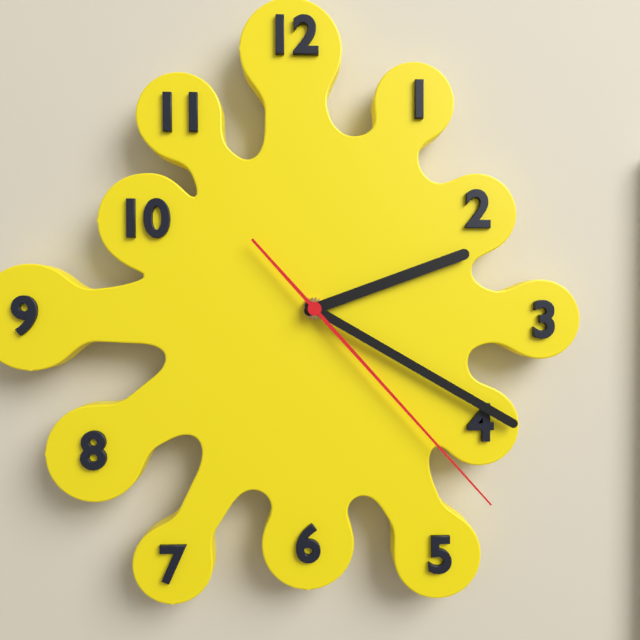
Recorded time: 2.20.23
